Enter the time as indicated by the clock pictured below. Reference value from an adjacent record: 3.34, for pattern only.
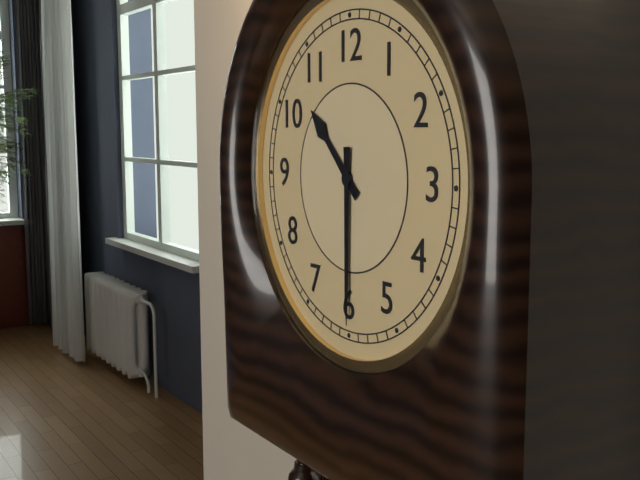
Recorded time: 10.30
